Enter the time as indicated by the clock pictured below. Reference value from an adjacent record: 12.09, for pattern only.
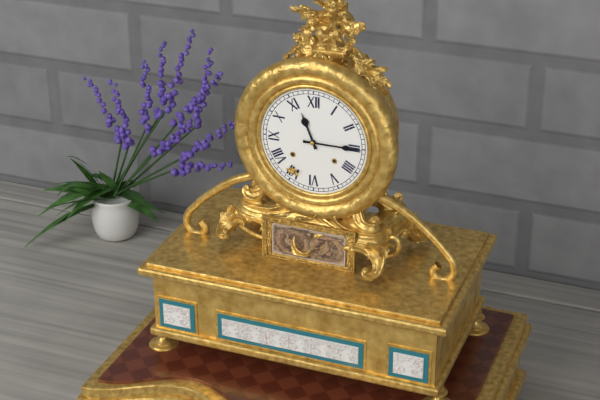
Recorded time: 11.15
